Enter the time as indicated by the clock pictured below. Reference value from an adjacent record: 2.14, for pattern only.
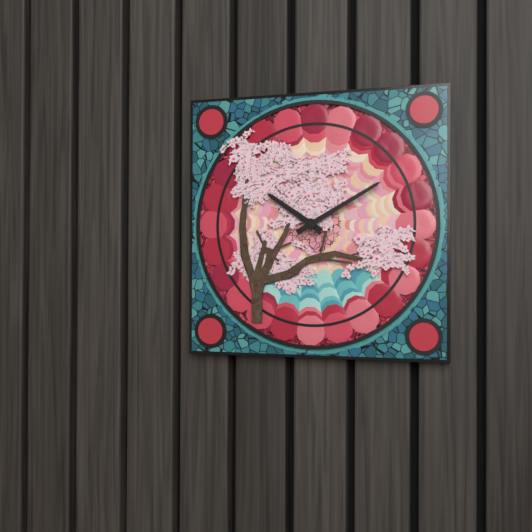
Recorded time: 10.10
